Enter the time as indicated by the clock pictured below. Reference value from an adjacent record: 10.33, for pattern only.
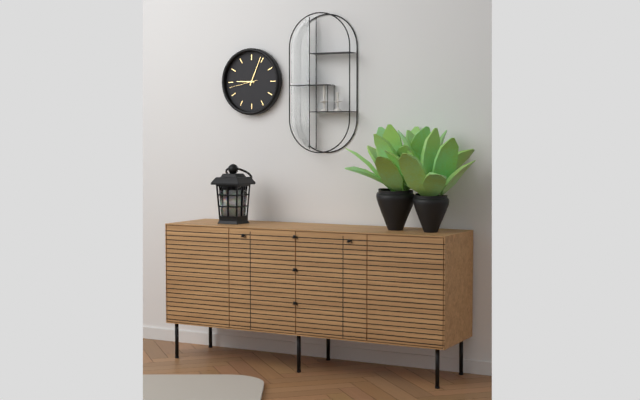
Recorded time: 9.04
